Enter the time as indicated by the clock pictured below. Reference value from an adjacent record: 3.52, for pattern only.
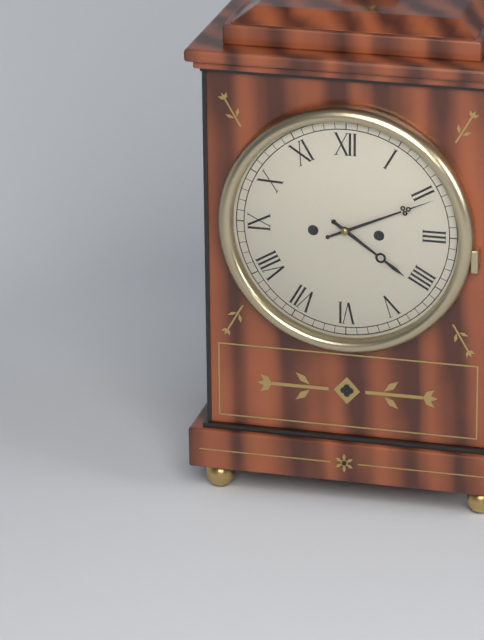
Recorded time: 4.11
